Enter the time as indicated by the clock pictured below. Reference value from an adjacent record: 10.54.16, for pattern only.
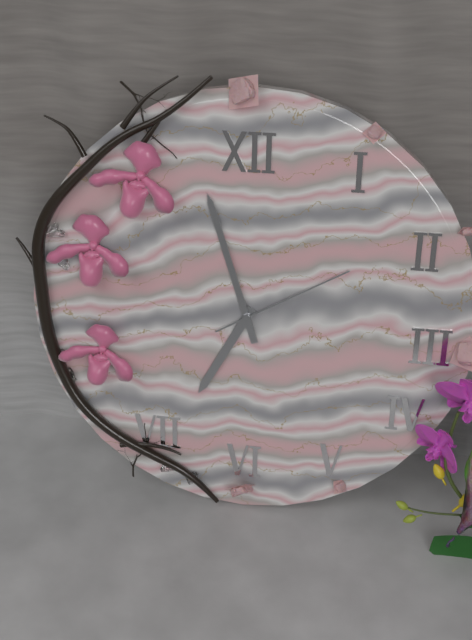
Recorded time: 6.57.10
